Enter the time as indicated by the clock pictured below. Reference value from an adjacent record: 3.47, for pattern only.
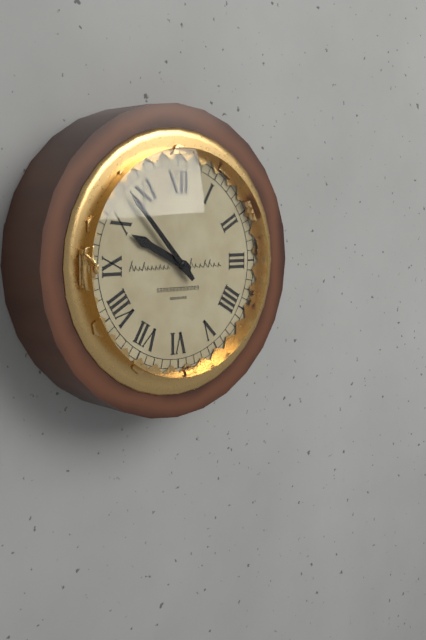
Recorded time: 9.53
